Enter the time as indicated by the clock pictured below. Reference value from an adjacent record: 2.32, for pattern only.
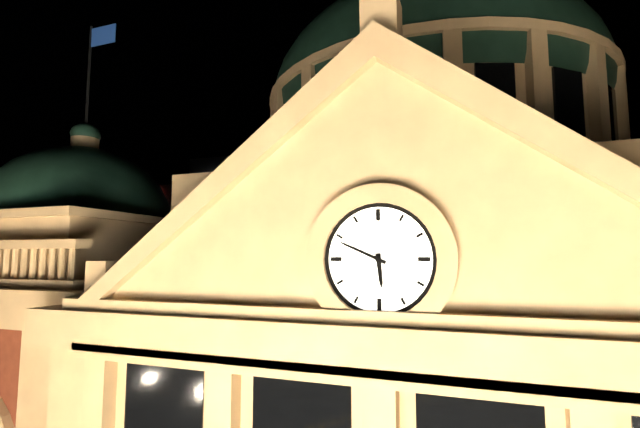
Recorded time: 5.49
